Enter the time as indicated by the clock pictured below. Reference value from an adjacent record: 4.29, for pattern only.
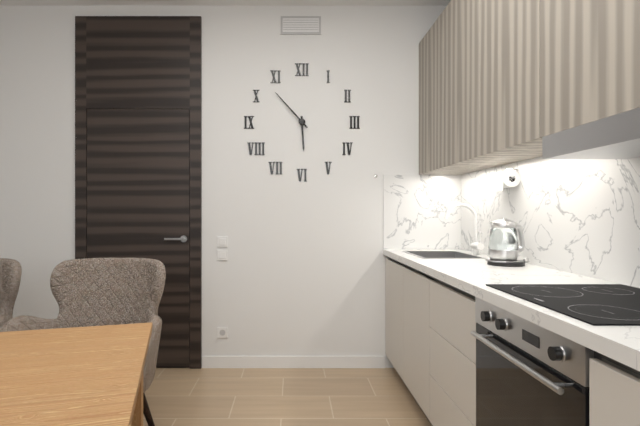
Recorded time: 5.53
